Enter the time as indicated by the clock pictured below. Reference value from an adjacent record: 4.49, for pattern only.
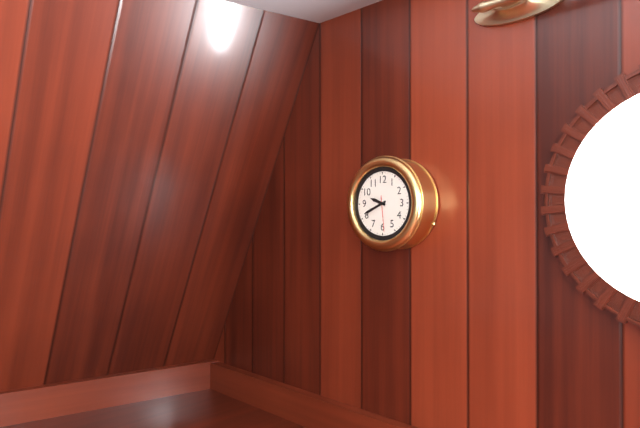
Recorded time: 9.41
